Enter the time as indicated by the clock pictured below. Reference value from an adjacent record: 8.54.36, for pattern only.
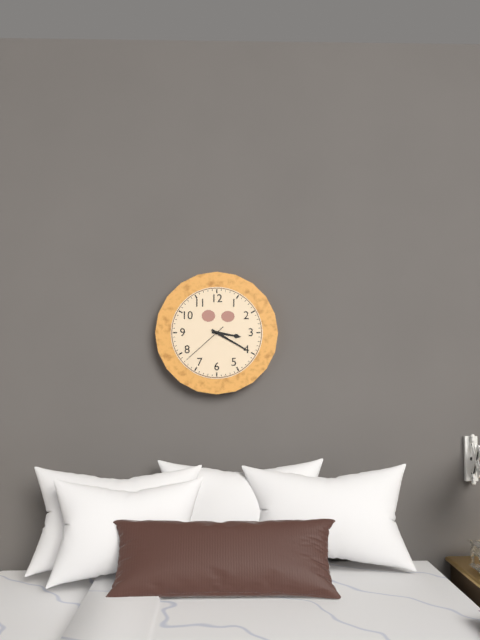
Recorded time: 3.20.38
